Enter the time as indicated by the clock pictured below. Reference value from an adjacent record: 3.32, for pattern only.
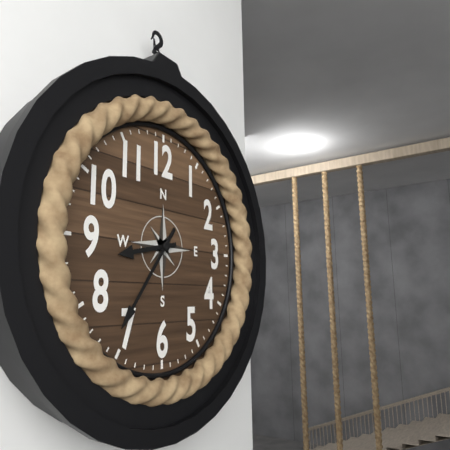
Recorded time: 8.36
